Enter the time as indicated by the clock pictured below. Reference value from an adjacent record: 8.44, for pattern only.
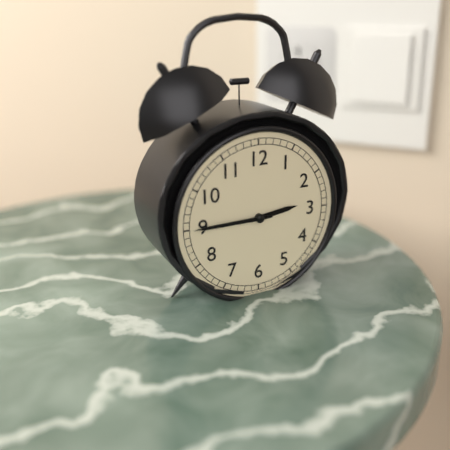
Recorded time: 2.45
